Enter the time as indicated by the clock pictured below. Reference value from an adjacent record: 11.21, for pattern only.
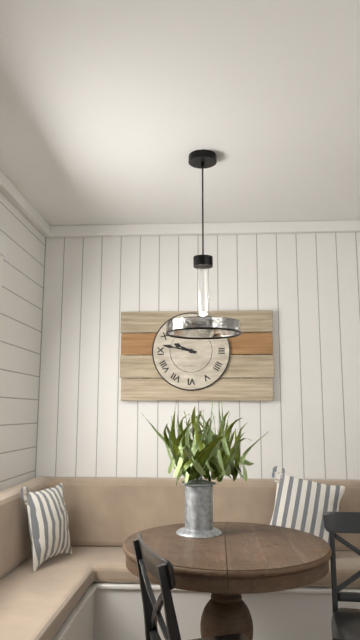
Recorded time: 9.47
